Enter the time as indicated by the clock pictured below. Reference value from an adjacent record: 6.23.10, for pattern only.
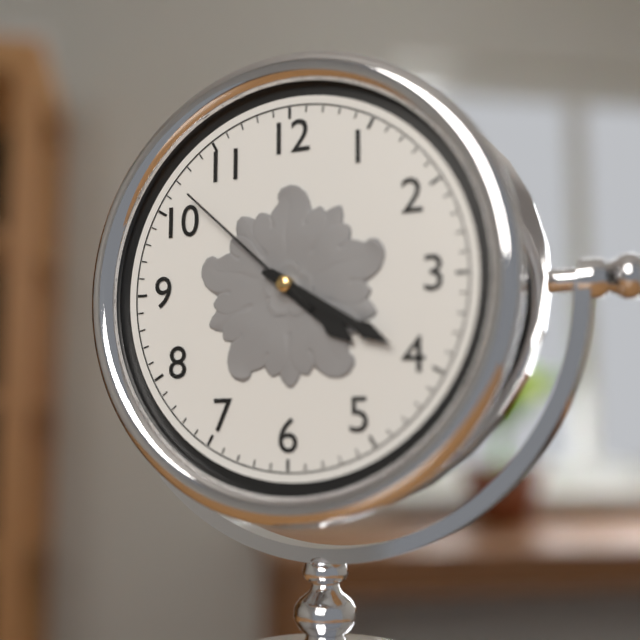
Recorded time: 4.20.52
